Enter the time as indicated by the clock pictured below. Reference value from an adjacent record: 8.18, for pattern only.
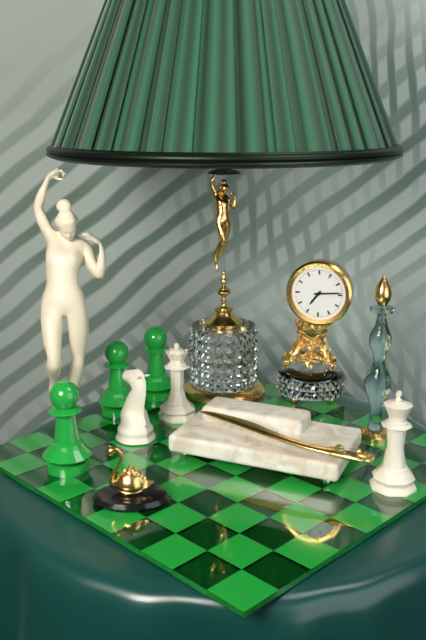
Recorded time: 7.14
